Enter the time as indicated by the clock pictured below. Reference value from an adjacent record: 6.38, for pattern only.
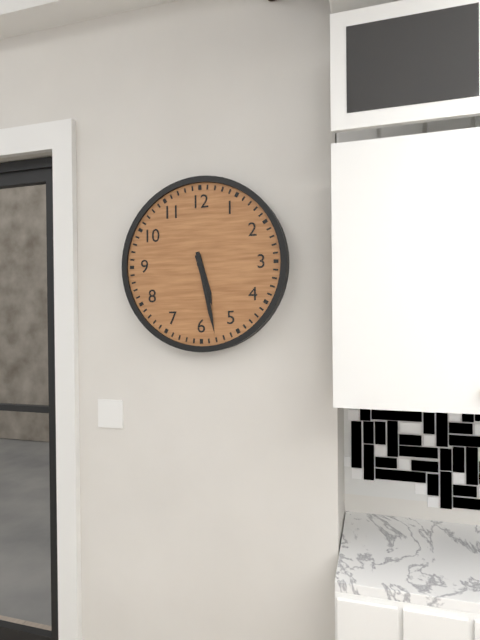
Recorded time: 5.28
